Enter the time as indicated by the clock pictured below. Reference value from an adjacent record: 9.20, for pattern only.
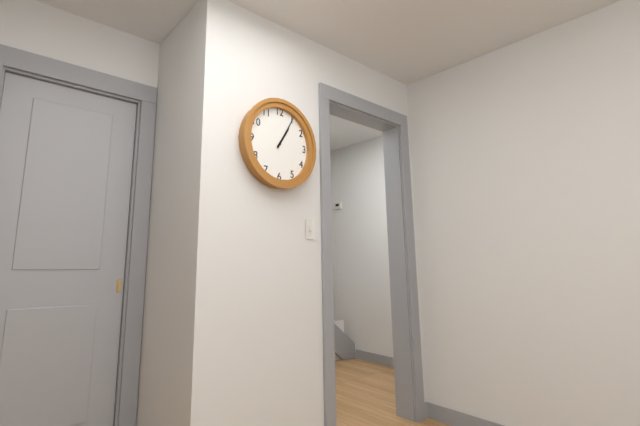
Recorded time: 1.05
